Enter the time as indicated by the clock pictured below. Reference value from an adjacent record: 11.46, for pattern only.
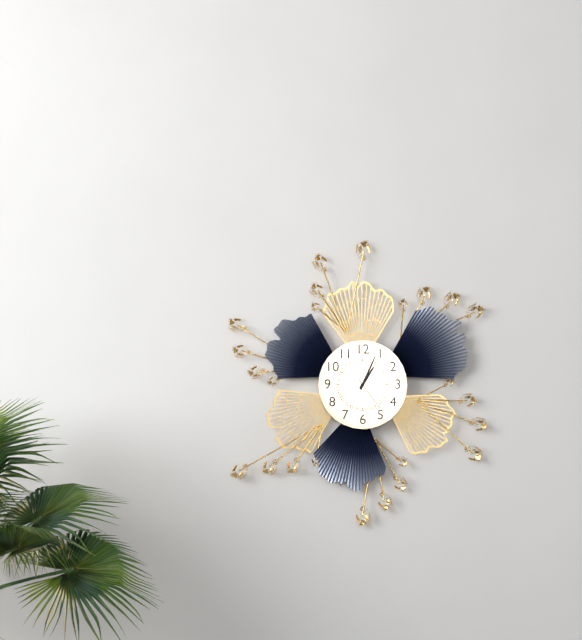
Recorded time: 1.04
